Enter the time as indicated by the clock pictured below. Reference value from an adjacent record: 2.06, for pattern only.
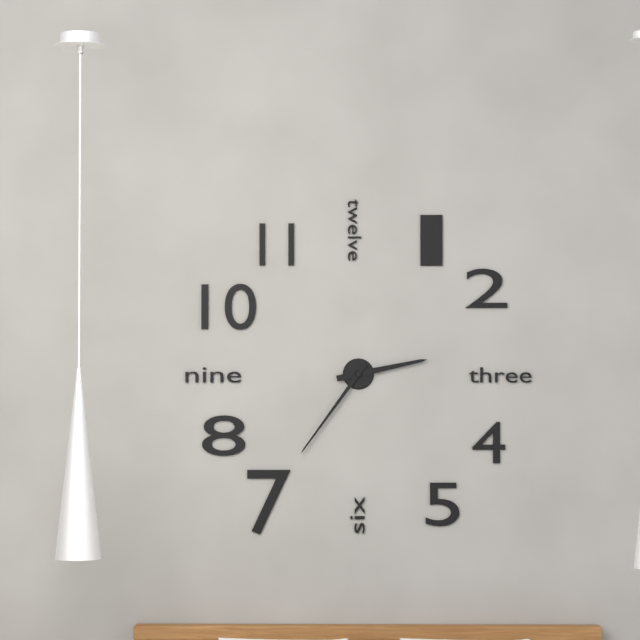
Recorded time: 2.36
